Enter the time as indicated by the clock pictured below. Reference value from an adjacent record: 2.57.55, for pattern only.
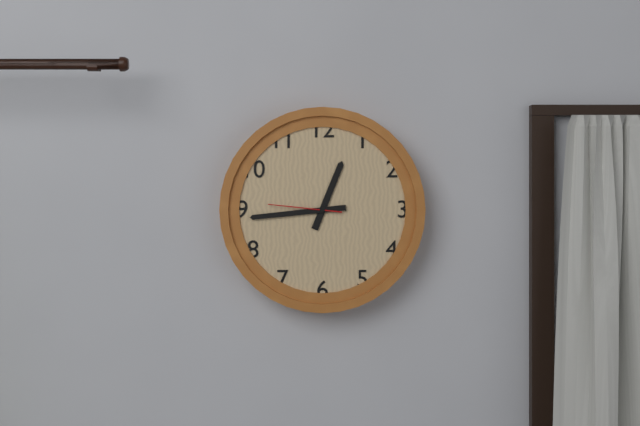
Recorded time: 12.44.46
